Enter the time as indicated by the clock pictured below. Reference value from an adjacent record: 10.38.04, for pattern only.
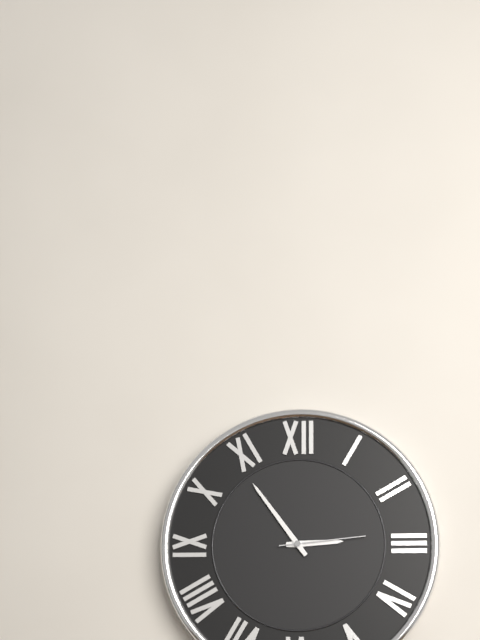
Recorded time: 2.54.14
